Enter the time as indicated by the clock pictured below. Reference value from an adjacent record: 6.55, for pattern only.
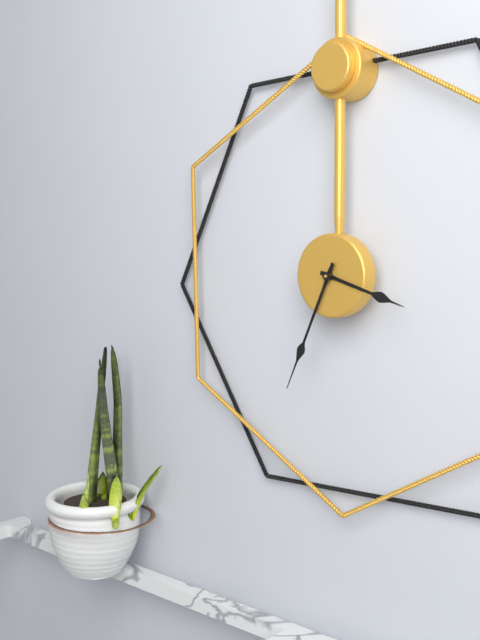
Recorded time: 3.34
